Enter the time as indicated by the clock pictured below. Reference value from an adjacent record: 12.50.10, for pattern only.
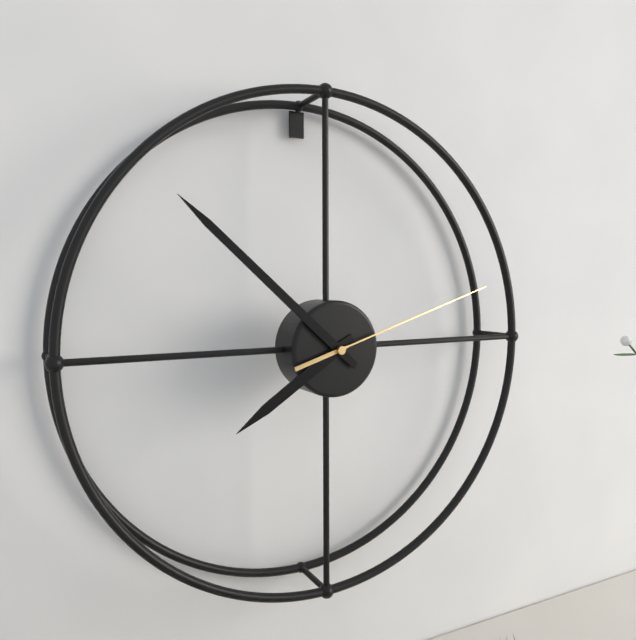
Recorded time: 7.52.12
